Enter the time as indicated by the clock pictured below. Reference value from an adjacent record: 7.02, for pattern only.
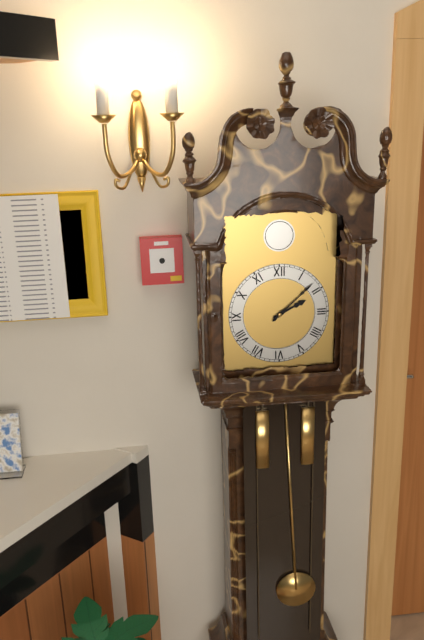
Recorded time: 2.08
